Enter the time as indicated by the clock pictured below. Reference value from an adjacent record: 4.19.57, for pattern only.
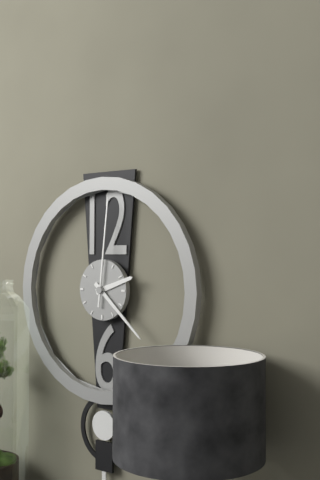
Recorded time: 2.22.01
